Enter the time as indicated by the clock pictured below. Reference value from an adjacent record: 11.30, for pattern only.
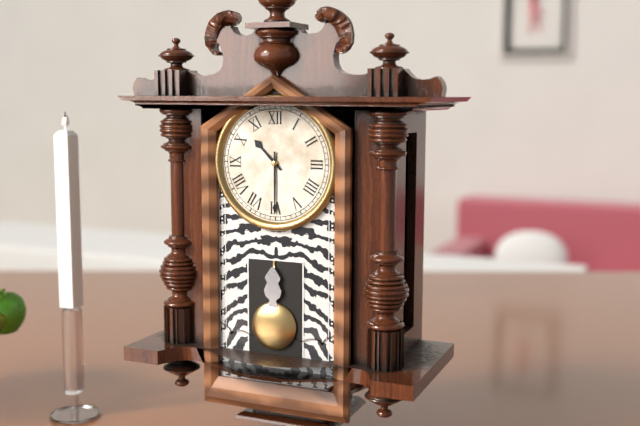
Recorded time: 10.30
